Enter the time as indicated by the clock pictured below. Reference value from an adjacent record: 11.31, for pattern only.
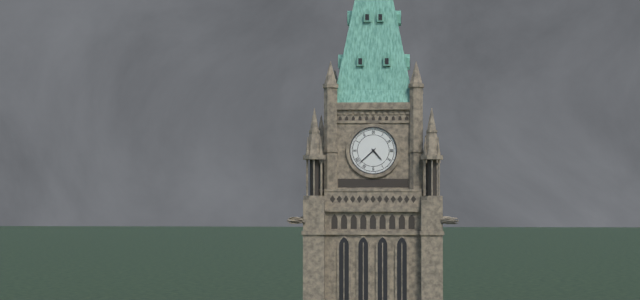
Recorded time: 4.38
